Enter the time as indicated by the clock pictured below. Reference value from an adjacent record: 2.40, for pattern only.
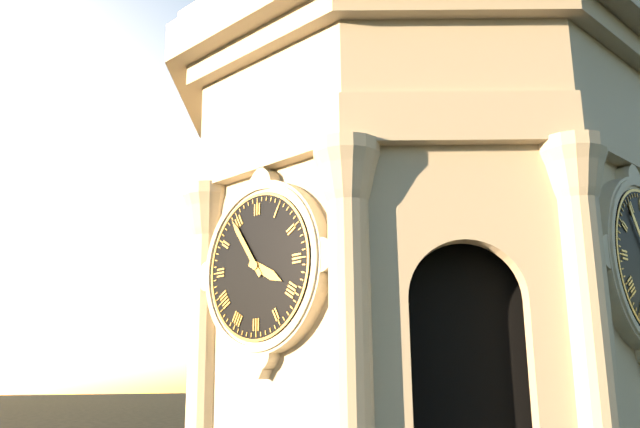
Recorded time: 3.54
